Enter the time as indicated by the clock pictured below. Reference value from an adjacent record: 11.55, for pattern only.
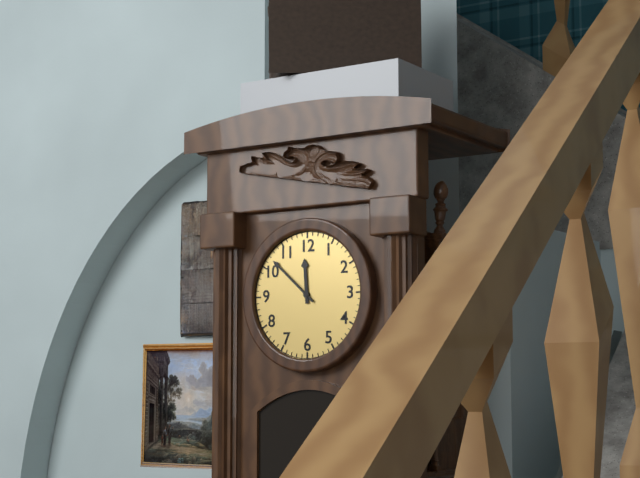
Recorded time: 11.52
